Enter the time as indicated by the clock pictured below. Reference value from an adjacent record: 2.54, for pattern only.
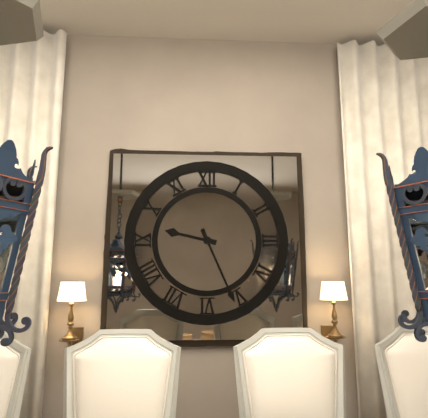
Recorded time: 9.26
